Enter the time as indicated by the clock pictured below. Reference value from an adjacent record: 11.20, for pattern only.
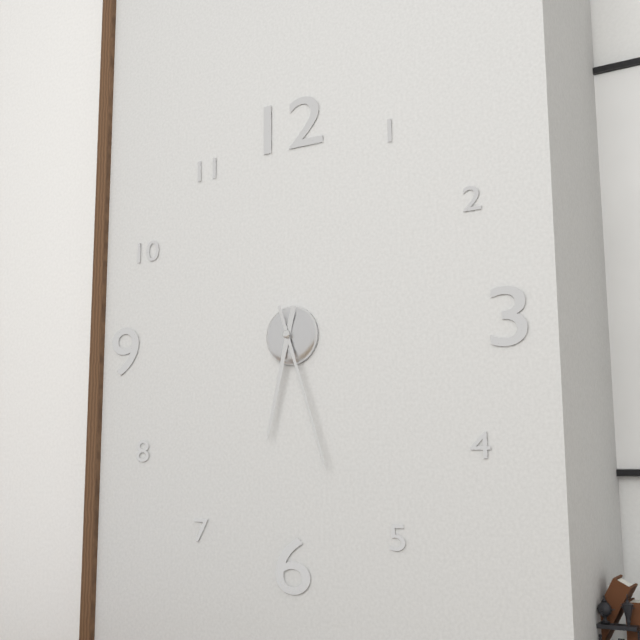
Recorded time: 6.27
